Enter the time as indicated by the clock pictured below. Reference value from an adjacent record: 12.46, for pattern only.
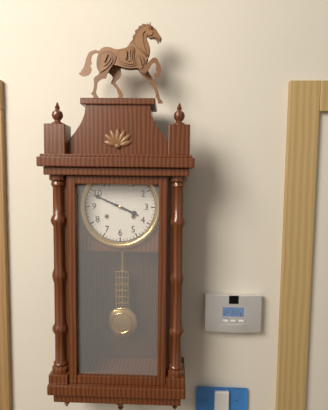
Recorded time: 3.49
